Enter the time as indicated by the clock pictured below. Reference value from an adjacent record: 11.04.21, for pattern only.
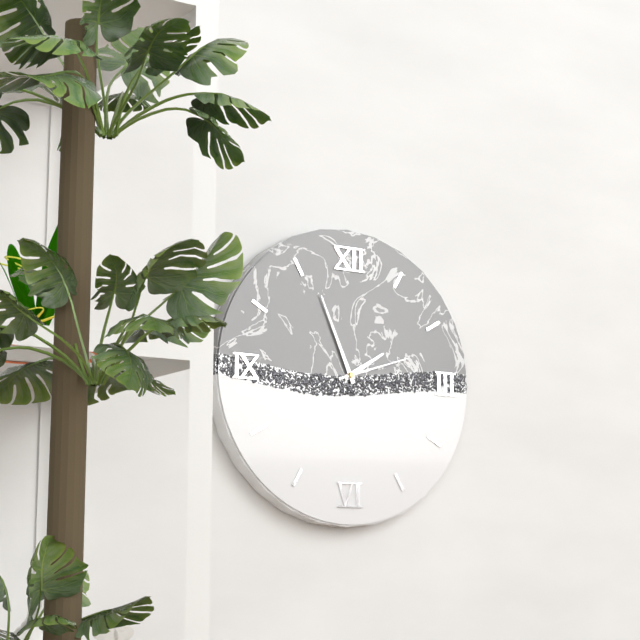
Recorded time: 1.56.12
